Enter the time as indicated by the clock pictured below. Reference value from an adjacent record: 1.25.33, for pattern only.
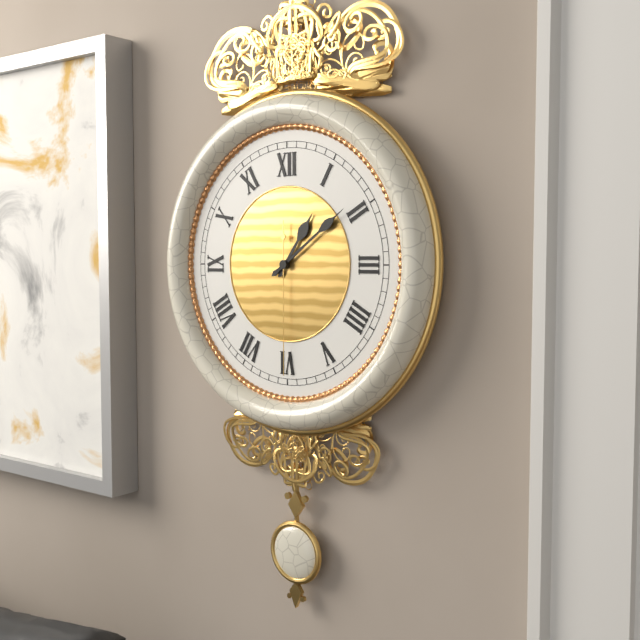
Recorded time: 1.09.30
